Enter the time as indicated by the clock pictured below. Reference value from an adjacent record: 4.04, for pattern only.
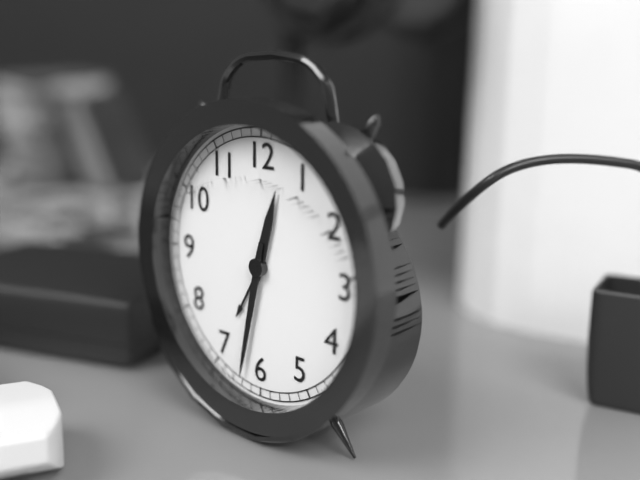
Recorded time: 12.32
